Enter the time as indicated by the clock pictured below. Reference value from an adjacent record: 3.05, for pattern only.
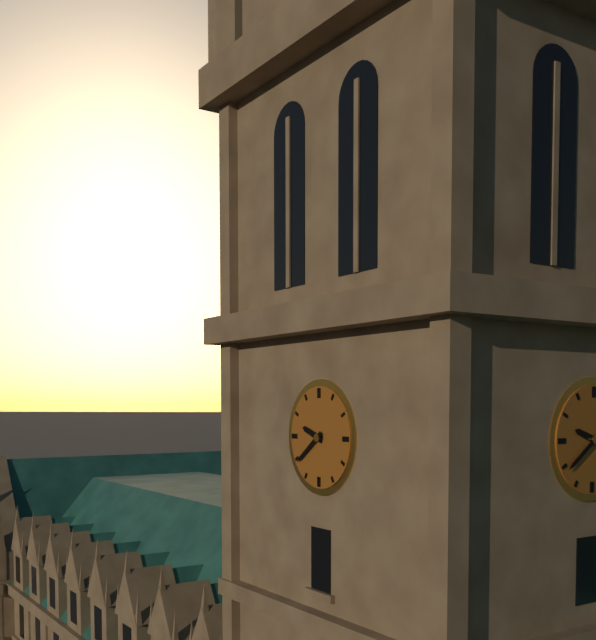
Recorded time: 9.39
